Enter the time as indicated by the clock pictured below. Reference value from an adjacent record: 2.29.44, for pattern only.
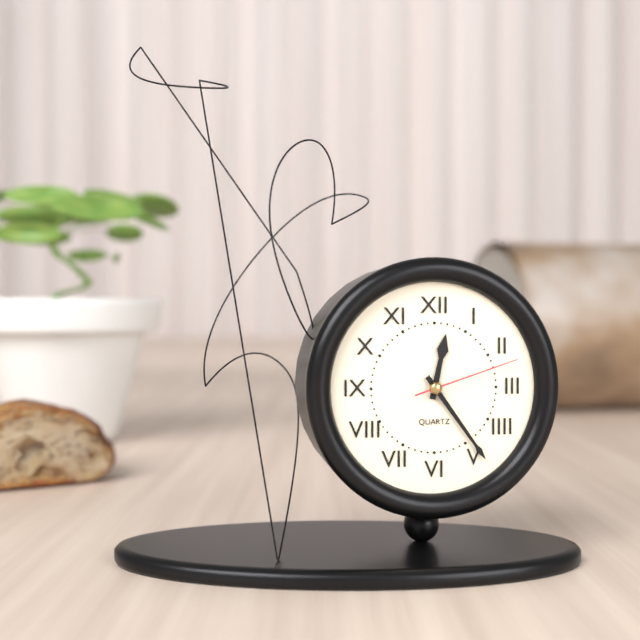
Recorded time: 12.24.12
